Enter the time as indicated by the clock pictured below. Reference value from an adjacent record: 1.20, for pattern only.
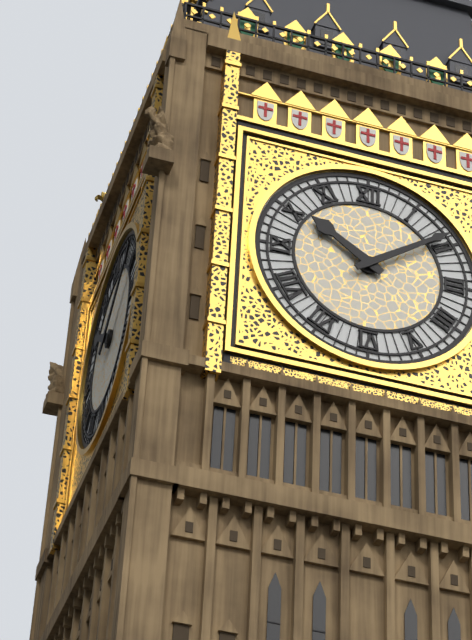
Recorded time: 10.09
